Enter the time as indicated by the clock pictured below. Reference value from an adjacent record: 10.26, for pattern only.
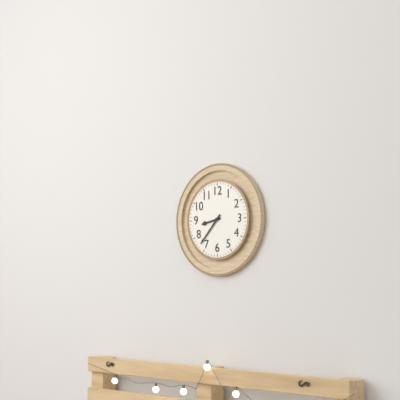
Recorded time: 8.37
